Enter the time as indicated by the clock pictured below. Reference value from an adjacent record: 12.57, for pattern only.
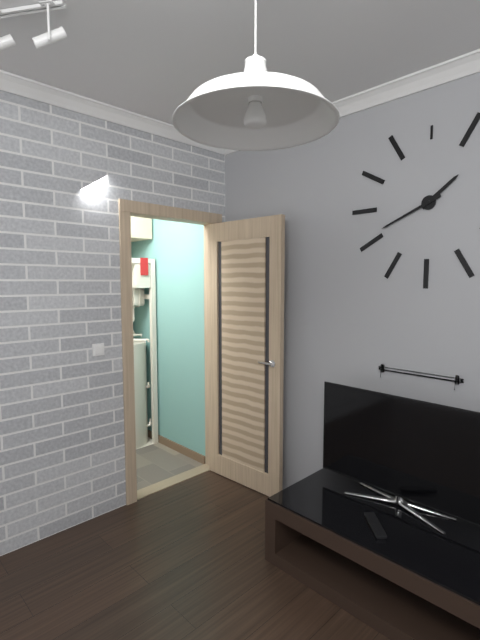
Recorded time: 1.41
